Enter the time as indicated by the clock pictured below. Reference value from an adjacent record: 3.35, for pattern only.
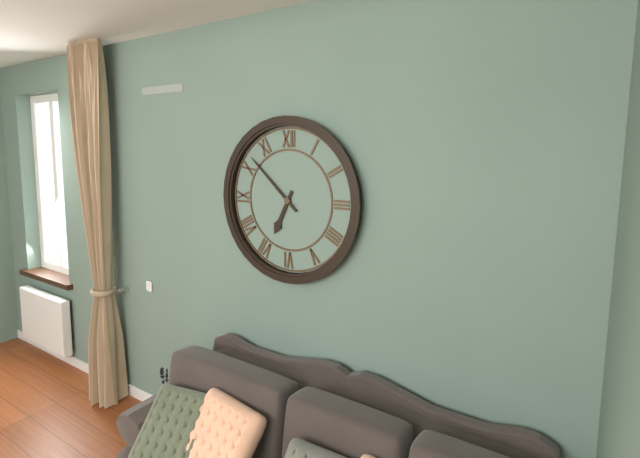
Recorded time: 6.52
